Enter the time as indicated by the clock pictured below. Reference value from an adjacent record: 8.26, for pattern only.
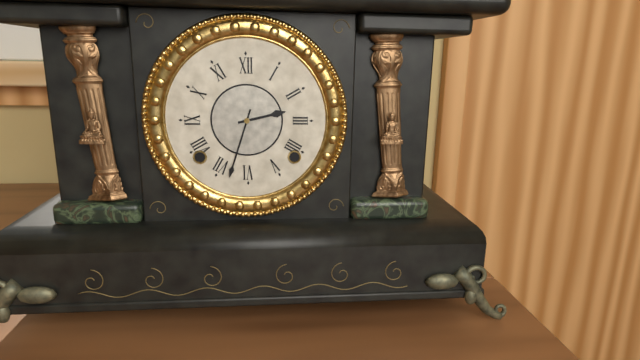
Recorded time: 2.33
